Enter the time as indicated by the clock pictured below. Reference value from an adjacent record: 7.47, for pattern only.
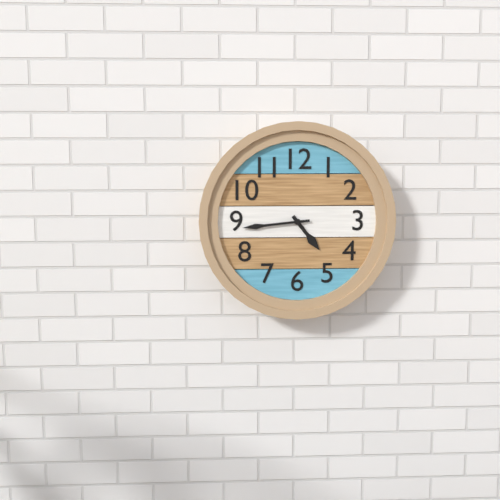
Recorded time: 4.44
